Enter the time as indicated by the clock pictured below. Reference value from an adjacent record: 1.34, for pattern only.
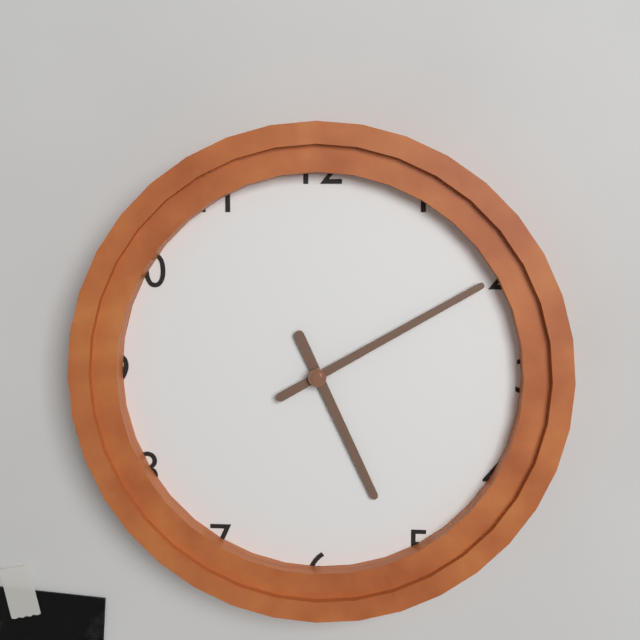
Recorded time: 5.10
